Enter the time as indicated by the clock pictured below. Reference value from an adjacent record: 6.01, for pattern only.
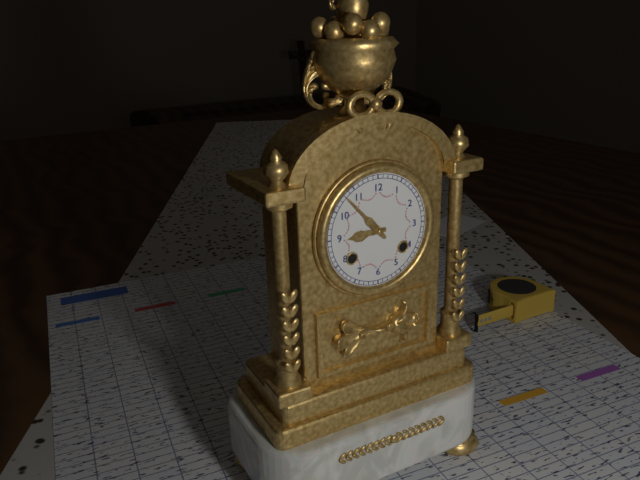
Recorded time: 8.53
